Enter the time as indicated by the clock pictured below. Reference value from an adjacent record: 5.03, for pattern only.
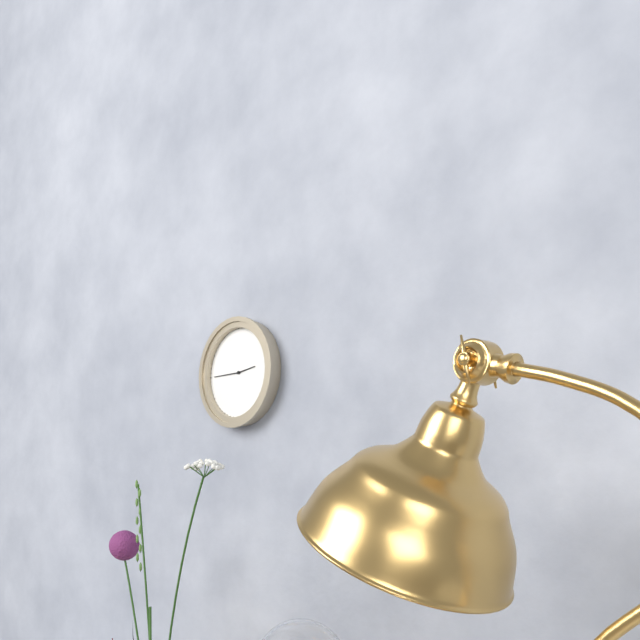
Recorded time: 2.45
